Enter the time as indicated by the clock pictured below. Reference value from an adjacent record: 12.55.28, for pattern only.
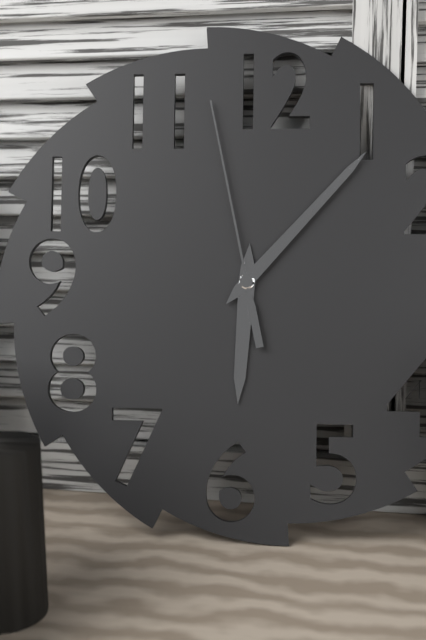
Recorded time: 6.07.58
